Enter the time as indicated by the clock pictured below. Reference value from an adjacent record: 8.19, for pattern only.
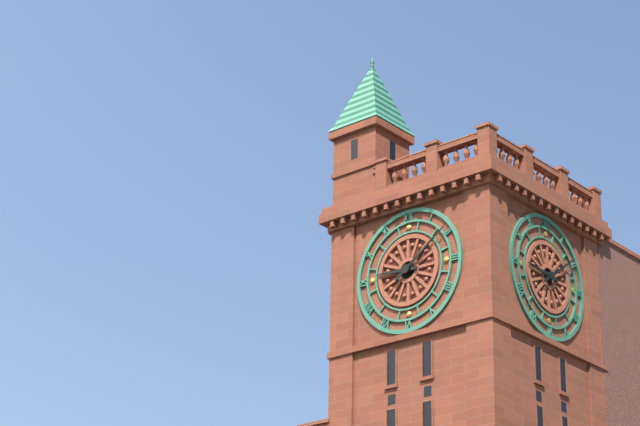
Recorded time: 9.09
